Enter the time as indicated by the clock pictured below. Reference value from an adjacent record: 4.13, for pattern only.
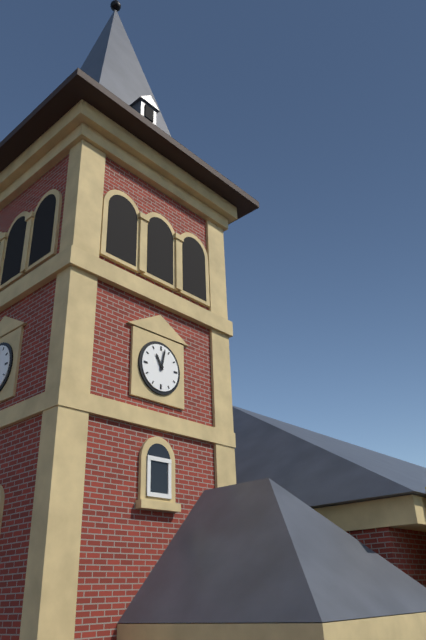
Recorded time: 11.02
